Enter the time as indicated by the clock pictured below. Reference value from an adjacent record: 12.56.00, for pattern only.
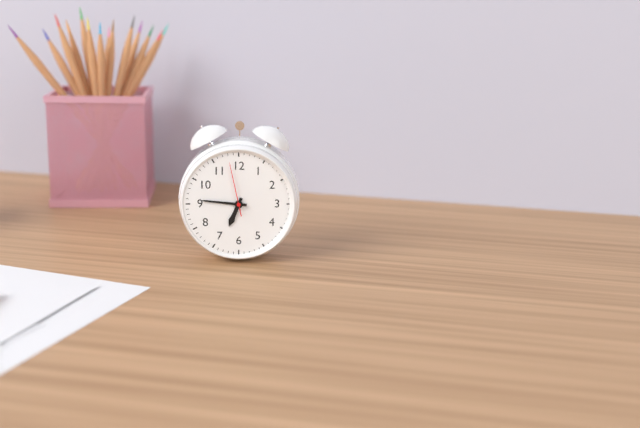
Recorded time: 6.46.58
